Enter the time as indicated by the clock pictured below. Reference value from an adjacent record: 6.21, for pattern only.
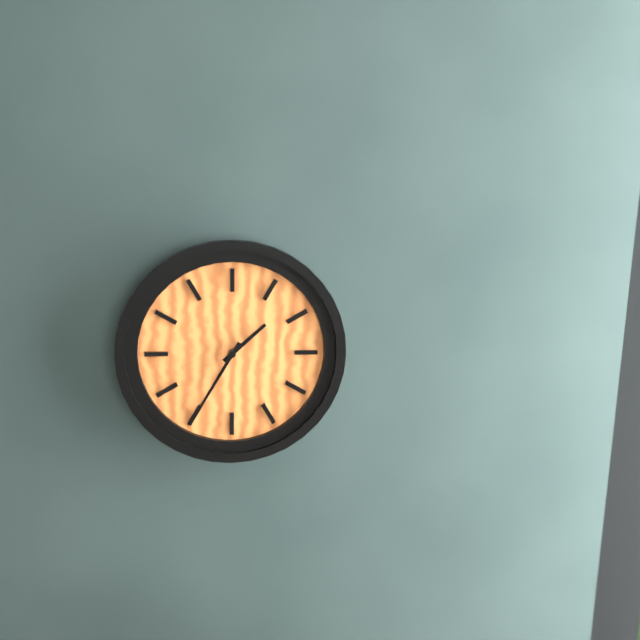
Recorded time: 1.35
